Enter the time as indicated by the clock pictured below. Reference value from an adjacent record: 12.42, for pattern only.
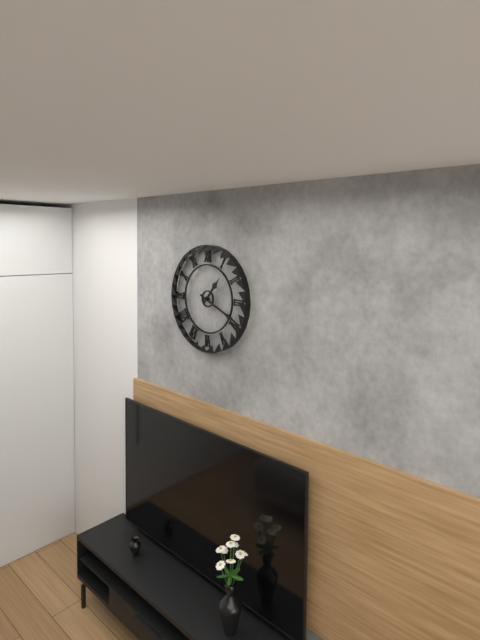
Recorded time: 1.19
